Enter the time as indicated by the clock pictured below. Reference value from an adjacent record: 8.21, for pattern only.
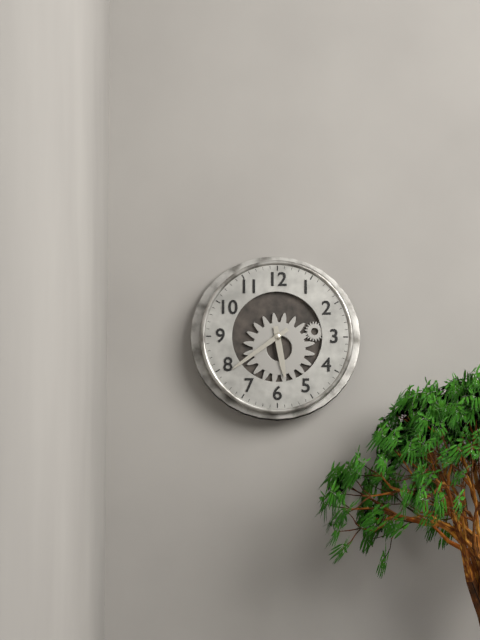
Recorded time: 5.39
